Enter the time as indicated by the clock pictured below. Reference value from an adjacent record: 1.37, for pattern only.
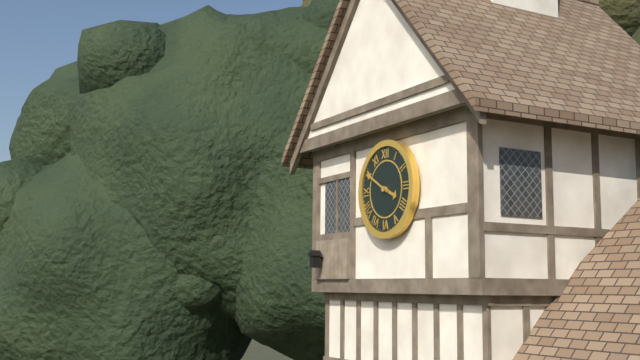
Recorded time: 3.50
